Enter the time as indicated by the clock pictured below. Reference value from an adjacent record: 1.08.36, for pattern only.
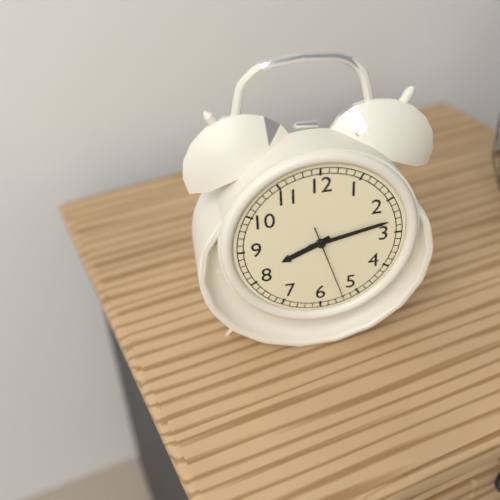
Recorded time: 8.13.27
